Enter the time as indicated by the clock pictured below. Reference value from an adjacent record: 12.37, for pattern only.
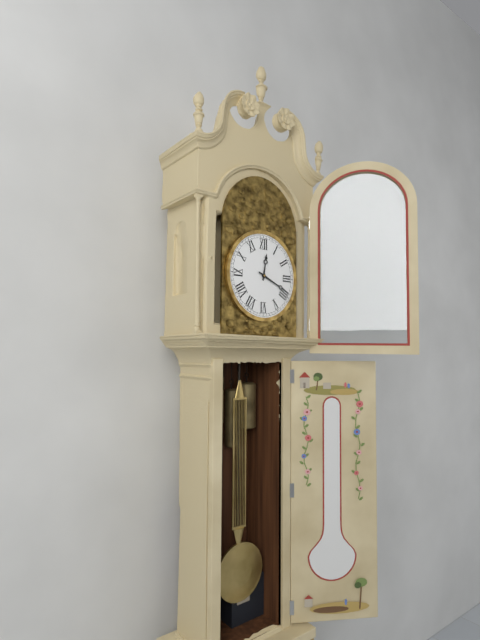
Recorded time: 12.19
